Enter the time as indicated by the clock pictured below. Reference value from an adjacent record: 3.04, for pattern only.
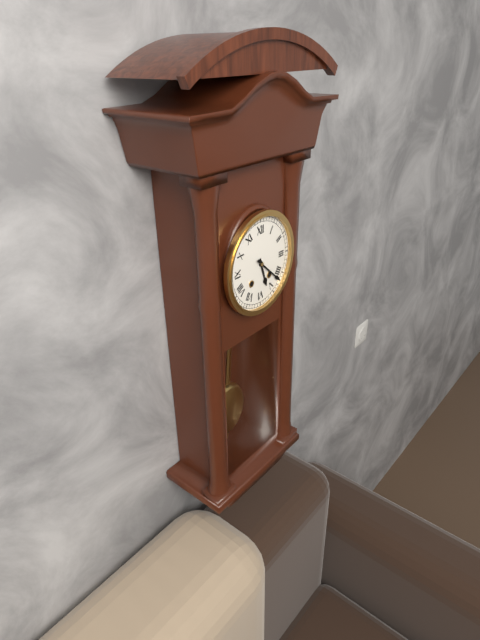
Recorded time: 5.22
